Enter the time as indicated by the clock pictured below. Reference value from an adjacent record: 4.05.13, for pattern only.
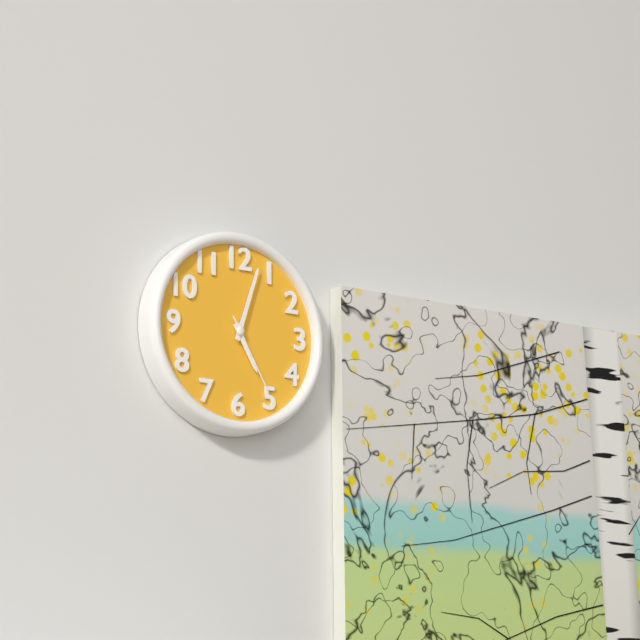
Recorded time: 5.03.25
